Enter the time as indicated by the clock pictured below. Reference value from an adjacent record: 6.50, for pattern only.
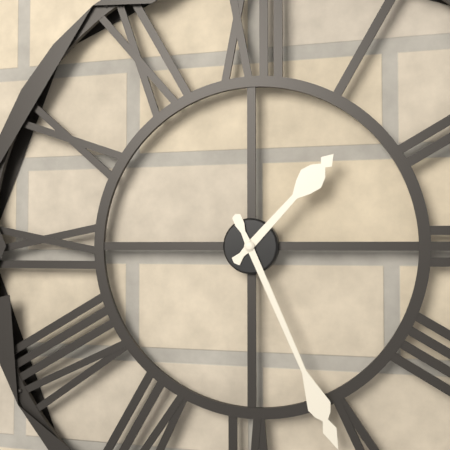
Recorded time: 1.26
